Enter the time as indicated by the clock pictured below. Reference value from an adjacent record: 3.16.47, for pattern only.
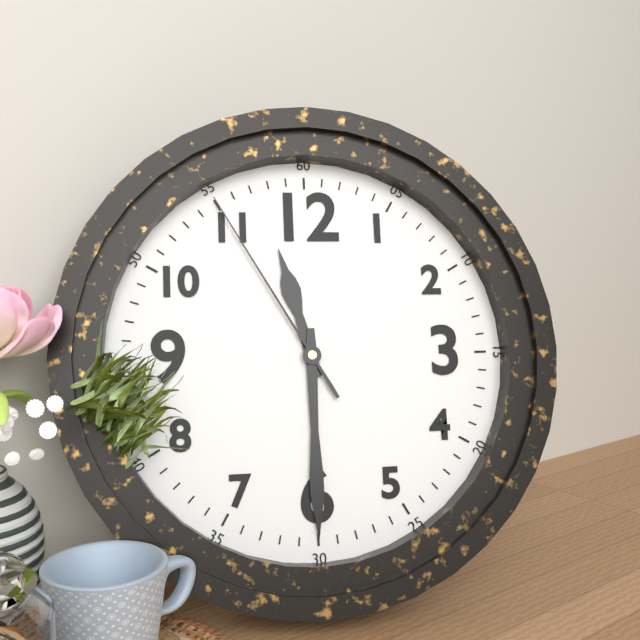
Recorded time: 11.30.55
